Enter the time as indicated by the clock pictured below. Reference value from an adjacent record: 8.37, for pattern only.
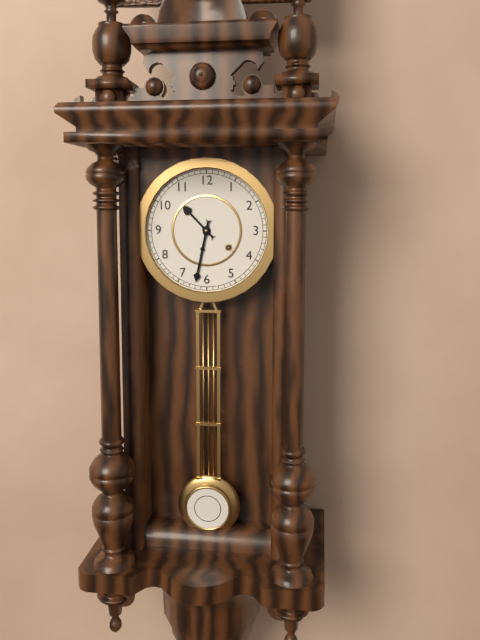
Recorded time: 10.32
